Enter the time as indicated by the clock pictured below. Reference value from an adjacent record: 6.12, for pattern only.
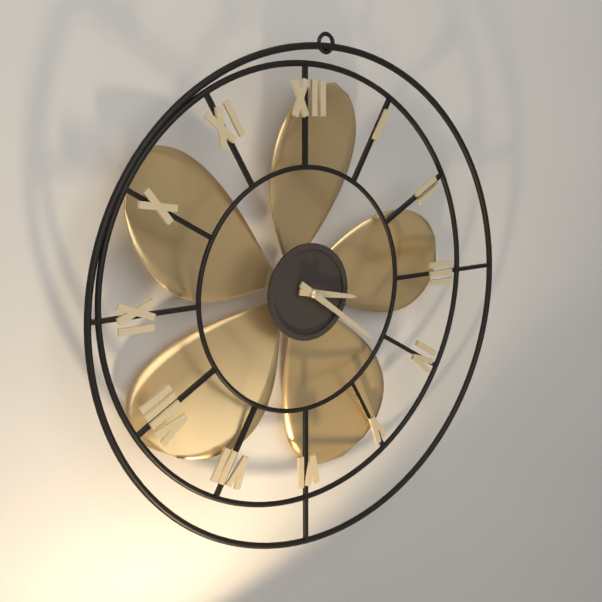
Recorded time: 3.21
